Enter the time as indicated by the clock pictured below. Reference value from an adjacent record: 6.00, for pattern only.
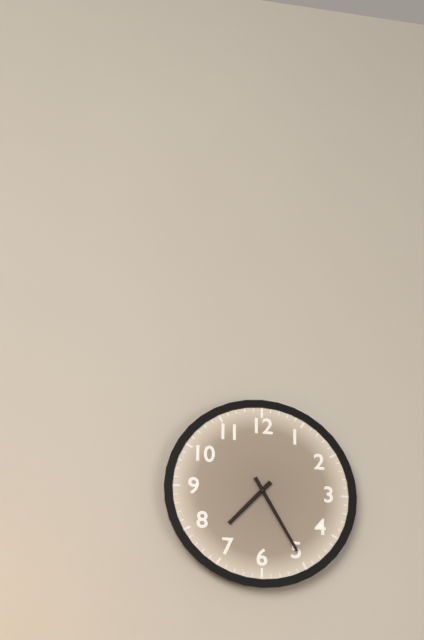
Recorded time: 7.25
